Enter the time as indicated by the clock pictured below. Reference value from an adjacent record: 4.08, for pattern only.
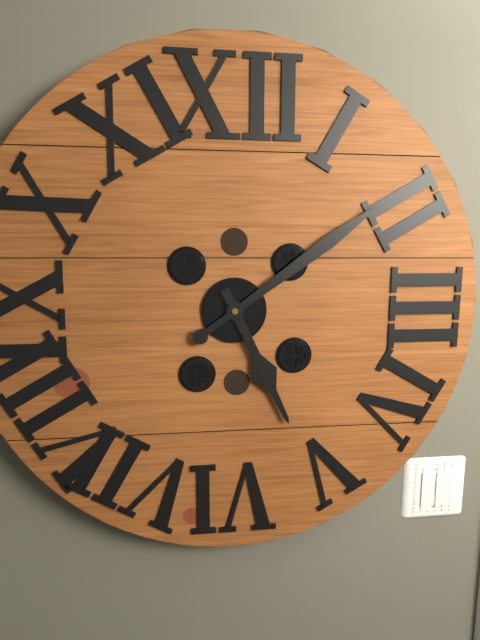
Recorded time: 5.09
